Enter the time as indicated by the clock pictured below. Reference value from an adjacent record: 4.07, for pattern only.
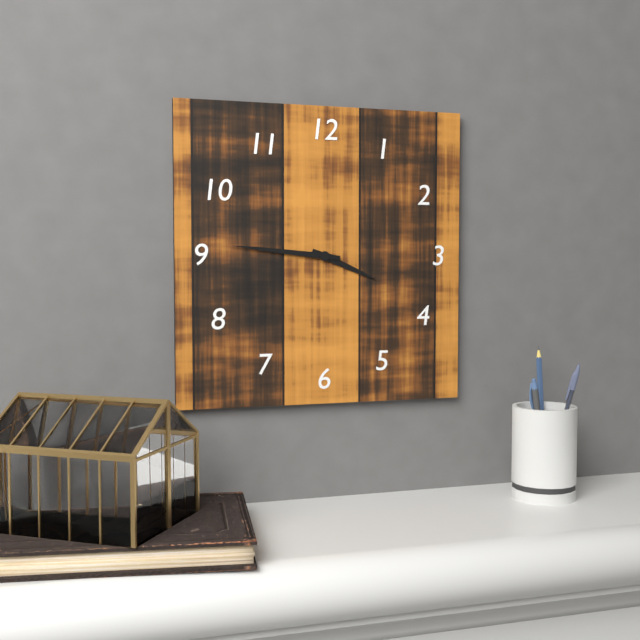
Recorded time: 3.46
